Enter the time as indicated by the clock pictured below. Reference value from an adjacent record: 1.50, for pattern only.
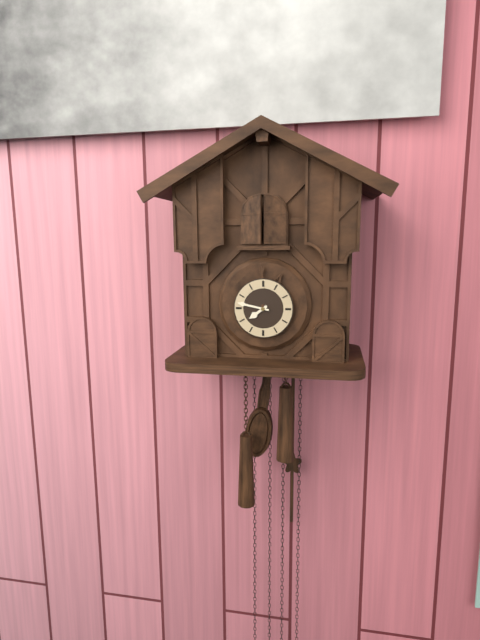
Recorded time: 7.47
